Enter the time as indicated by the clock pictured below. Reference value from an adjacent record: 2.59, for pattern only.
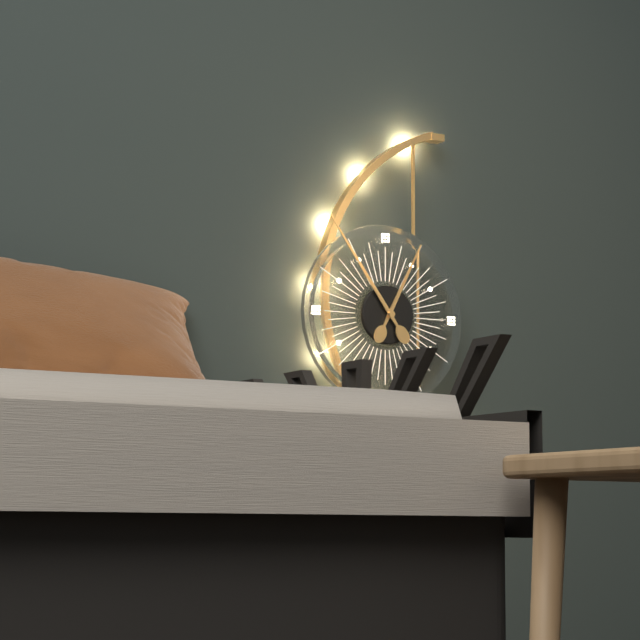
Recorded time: 12.54
